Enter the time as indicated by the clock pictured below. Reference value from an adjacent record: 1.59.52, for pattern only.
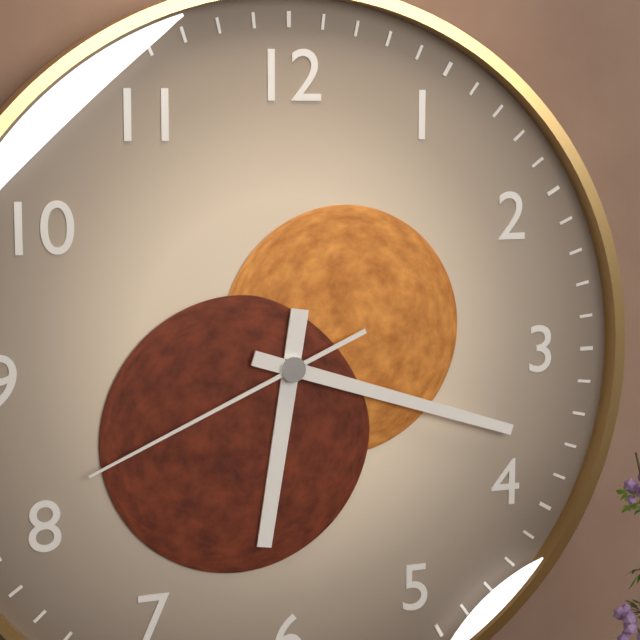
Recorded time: 6.18.41
